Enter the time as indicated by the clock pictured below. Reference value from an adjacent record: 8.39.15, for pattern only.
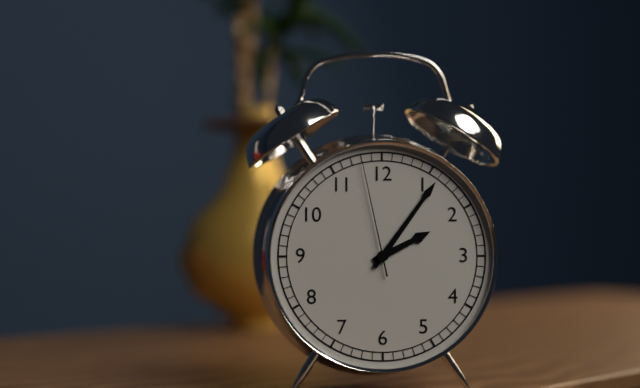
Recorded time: 2.06.58
